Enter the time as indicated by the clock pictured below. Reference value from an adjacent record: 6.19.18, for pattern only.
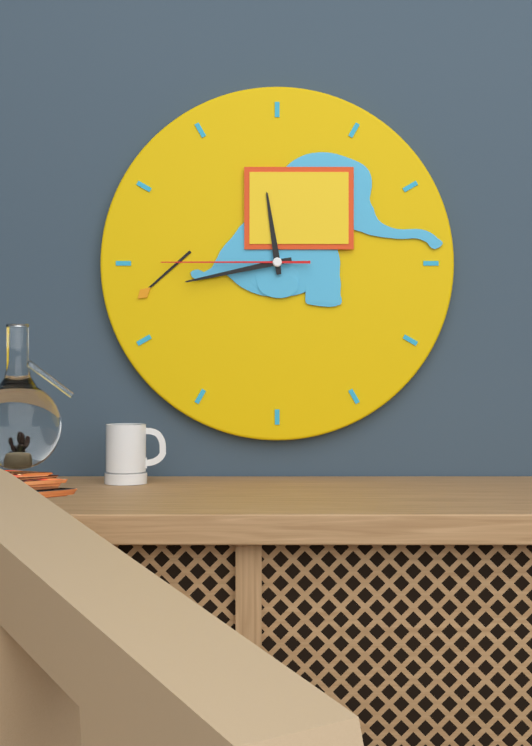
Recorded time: 11.43.45
